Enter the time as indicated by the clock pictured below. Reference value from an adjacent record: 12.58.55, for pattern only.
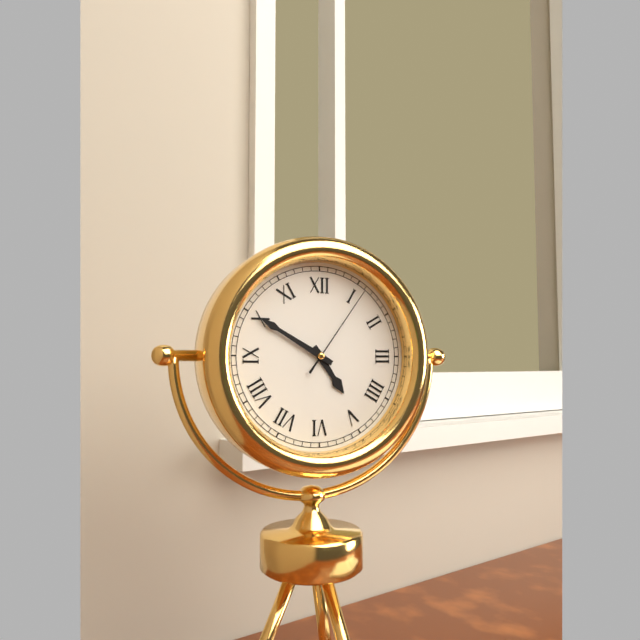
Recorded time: 4.50.06
